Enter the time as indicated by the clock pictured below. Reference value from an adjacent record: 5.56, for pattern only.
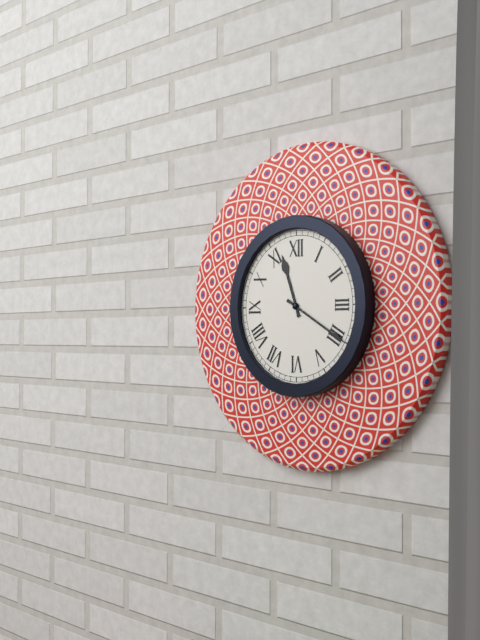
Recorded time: 11.20
